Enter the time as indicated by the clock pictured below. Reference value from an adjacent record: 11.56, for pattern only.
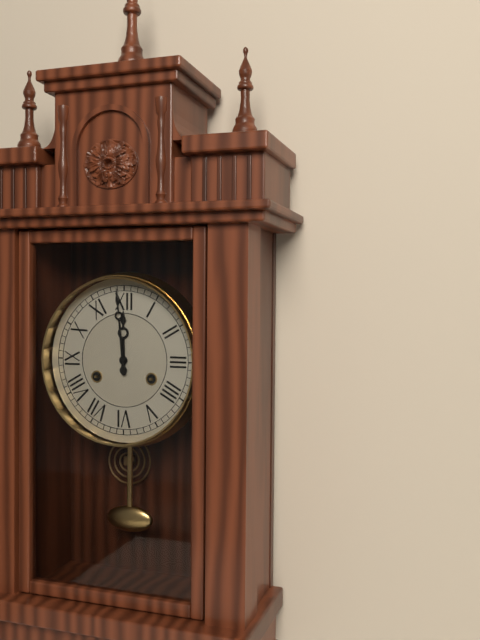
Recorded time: 11.59
